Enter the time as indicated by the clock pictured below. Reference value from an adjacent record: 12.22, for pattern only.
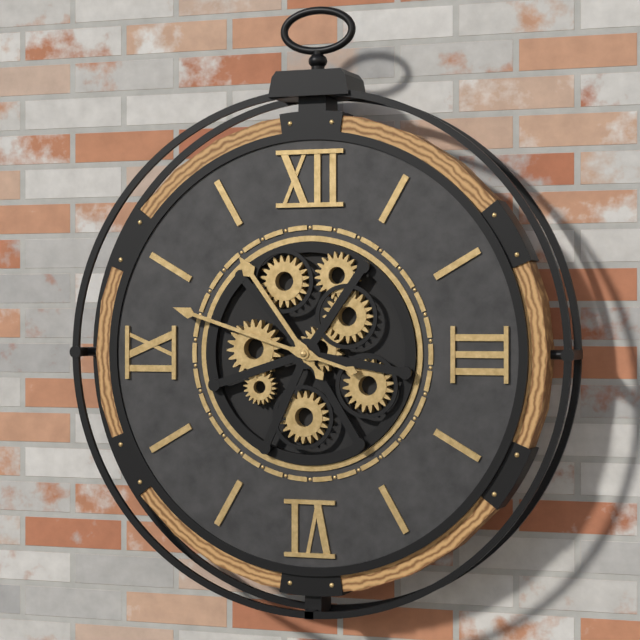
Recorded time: 10.48
